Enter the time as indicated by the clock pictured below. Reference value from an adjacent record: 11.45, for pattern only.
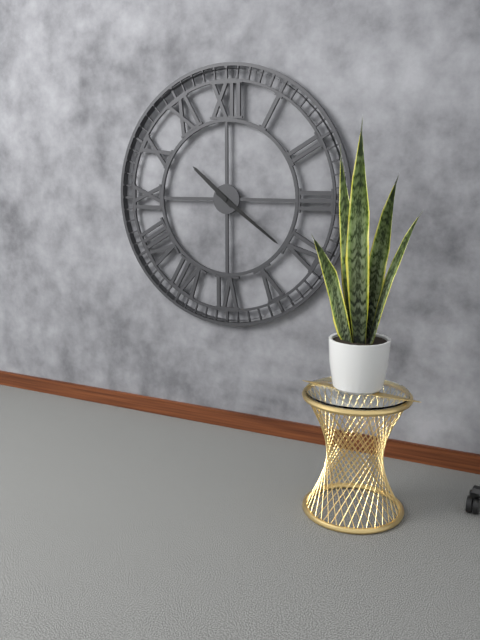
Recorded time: 10.21
